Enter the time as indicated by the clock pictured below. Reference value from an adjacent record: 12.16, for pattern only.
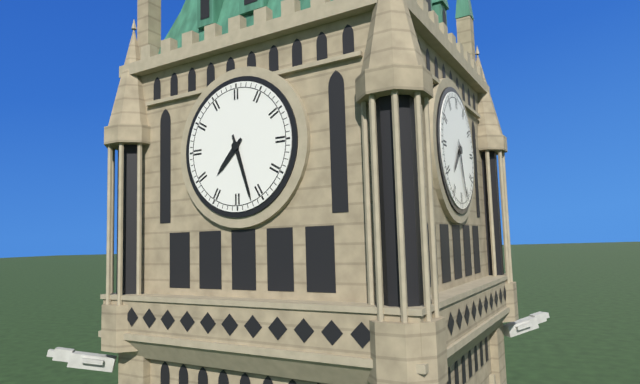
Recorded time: 7.27
